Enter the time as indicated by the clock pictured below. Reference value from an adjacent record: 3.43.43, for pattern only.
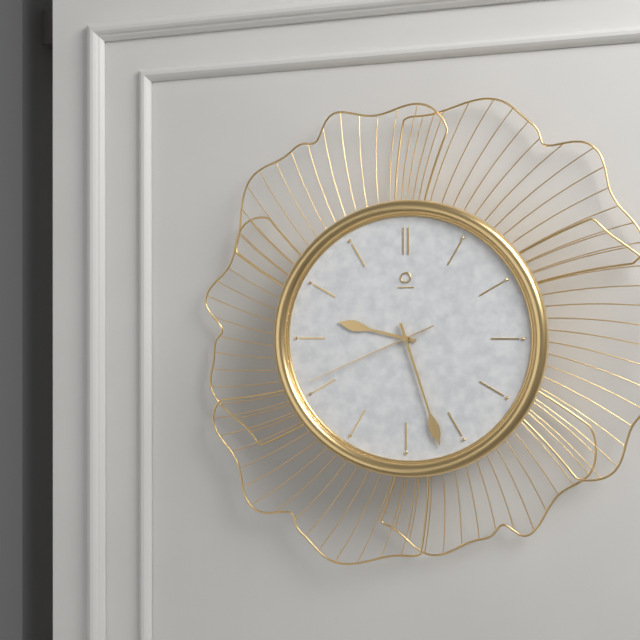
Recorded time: 9.27.41
